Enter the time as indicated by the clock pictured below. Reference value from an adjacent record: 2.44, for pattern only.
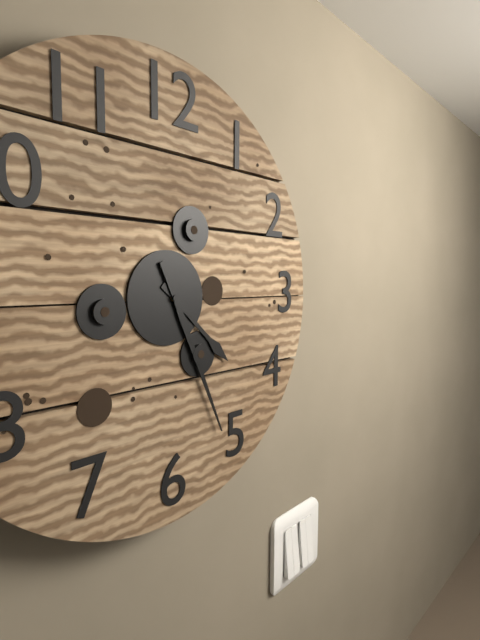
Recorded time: 4.26
